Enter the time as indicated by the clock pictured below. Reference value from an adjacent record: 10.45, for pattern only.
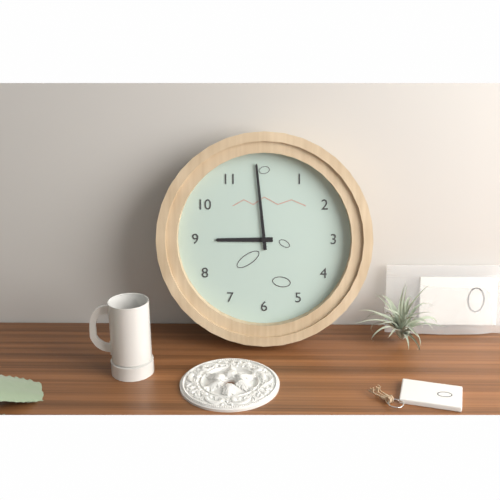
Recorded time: 8.59
